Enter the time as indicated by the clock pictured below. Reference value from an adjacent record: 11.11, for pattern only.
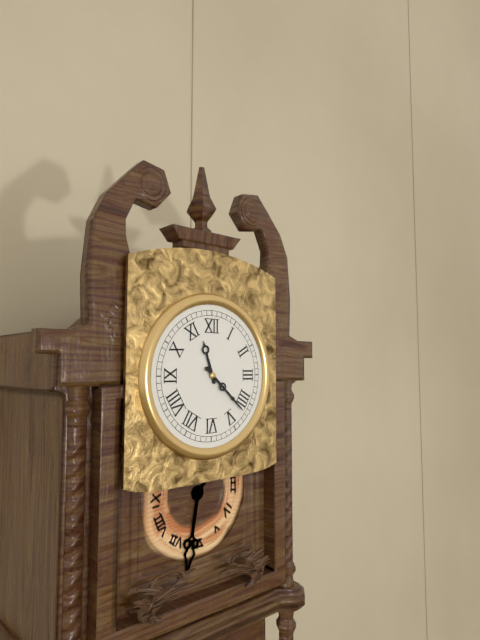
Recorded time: 11.22
